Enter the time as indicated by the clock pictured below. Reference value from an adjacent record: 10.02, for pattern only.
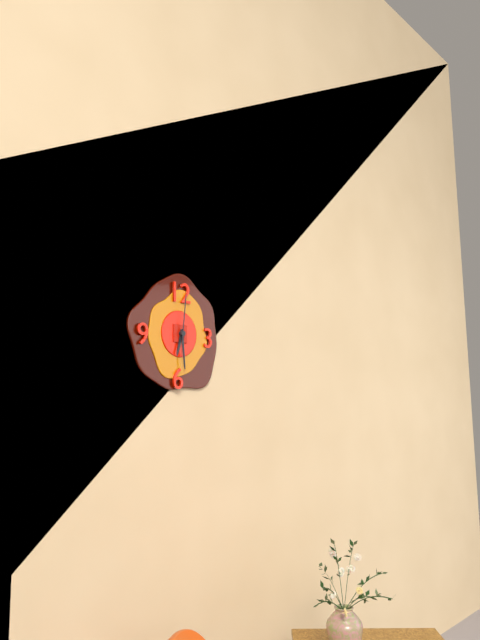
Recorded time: 6.29
